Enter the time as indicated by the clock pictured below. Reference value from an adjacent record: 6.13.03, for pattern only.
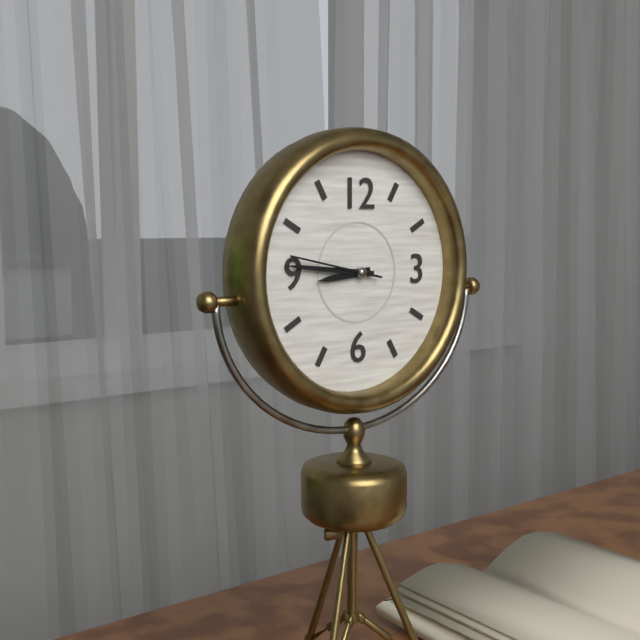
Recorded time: 8.46.47
